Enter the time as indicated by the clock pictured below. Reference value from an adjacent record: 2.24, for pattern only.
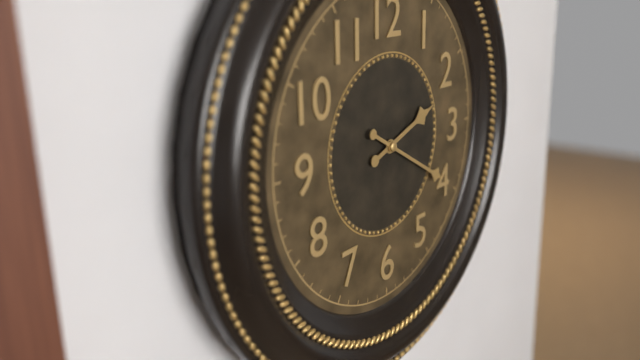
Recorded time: 2.20
